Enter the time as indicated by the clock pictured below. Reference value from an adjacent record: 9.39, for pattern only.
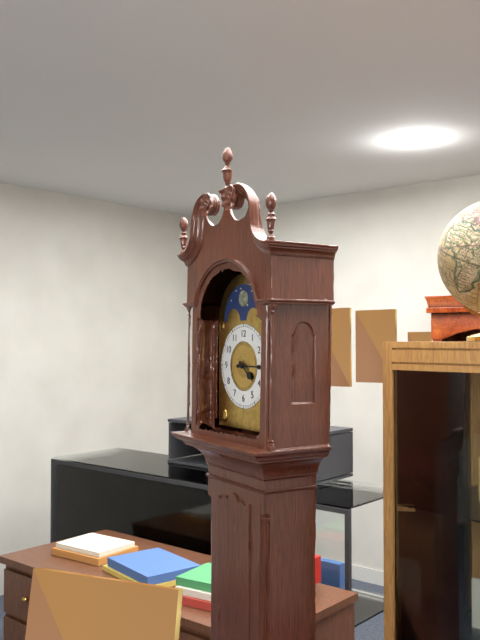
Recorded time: 4.15
